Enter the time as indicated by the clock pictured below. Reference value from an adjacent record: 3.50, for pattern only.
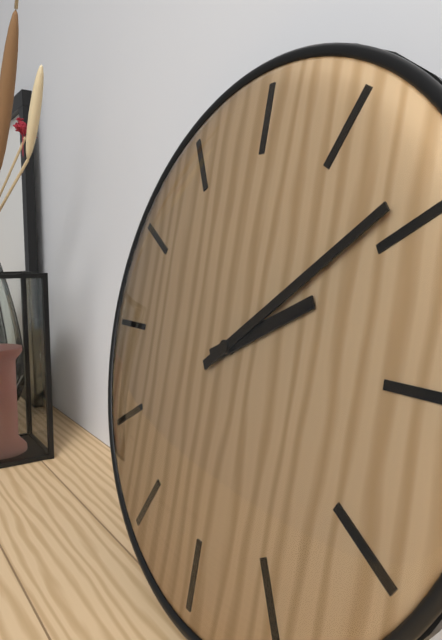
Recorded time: 2.09
